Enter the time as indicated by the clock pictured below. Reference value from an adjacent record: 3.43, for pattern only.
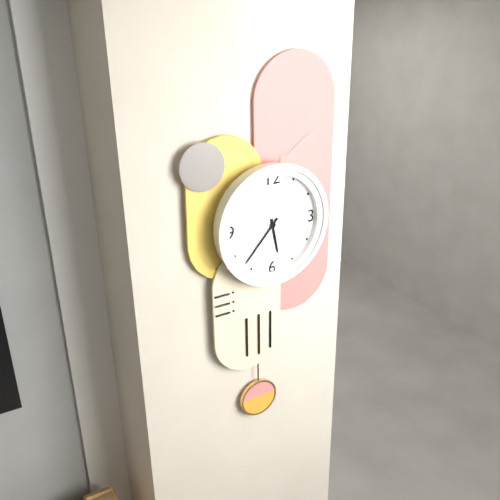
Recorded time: 5.37
